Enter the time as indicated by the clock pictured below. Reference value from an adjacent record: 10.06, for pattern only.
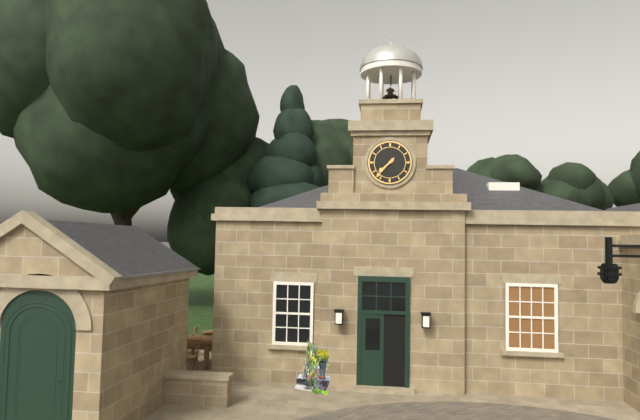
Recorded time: 7.37
